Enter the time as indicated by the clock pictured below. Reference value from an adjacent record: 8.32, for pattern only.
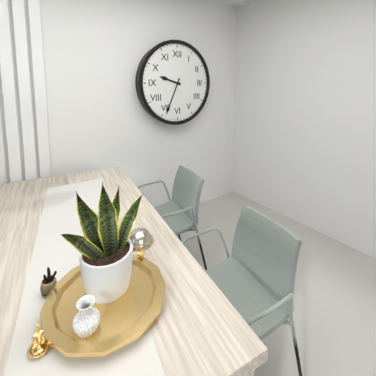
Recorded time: 9.34
